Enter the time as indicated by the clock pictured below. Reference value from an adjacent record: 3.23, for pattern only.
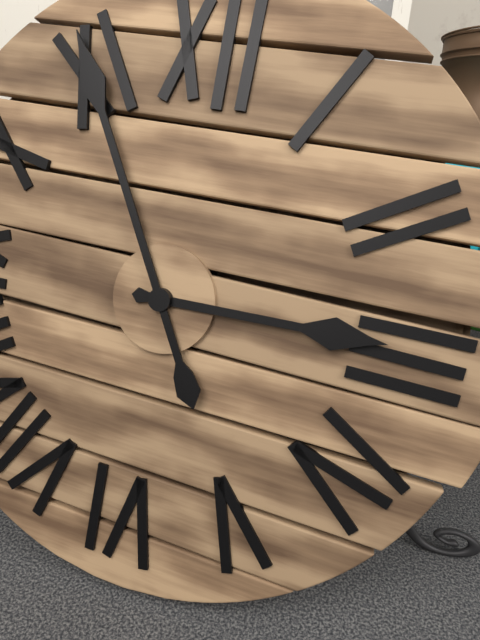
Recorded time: 2.55
